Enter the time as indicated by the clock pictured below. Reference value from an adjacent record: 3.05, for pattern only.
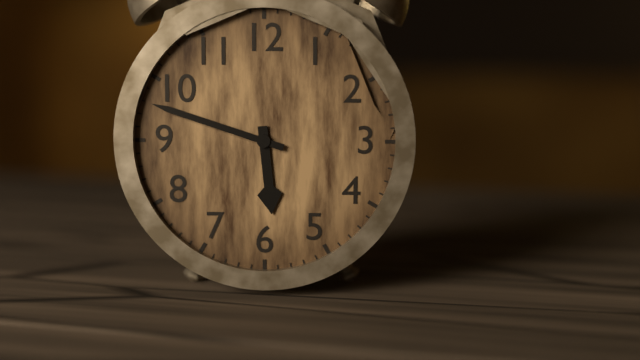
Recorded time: 5.48
